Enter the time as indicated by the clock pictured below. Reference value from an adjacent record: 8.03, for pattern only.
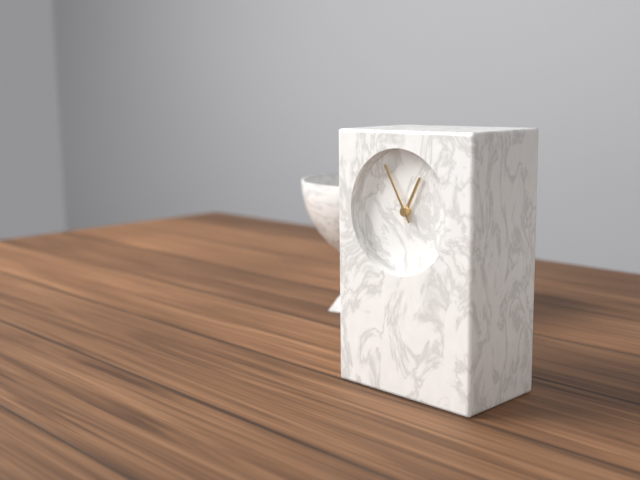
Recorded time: 12.55
